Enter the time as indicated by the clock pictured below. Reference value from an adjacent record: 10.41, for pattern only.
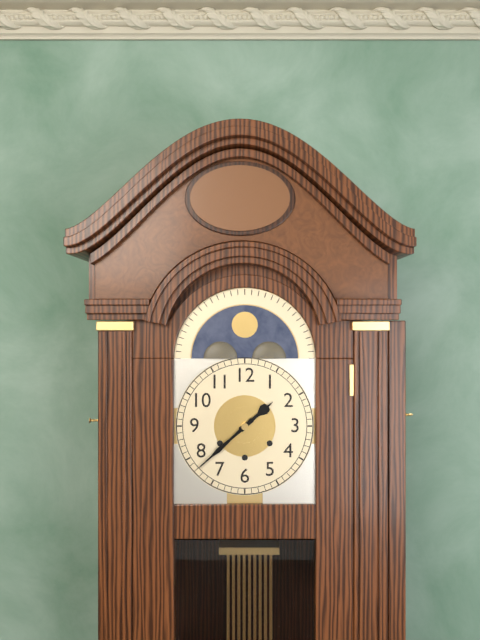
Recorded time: 1.38
